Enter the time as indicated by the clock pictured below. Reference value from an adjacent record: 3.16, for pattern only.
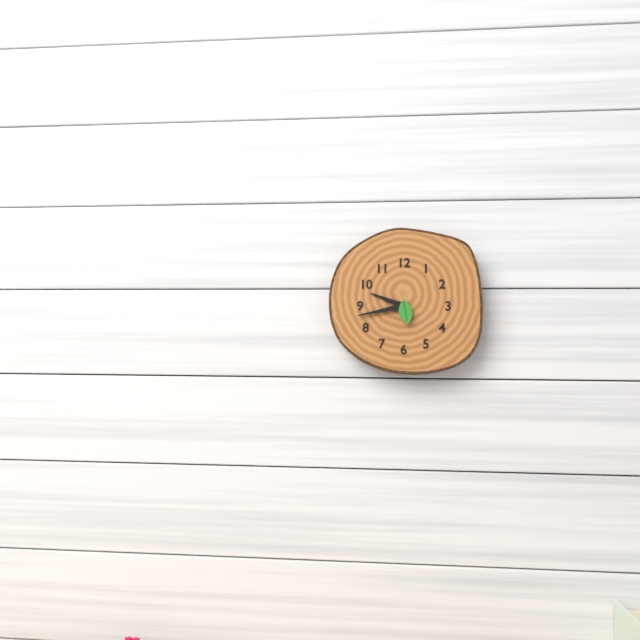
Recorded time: 9.43
